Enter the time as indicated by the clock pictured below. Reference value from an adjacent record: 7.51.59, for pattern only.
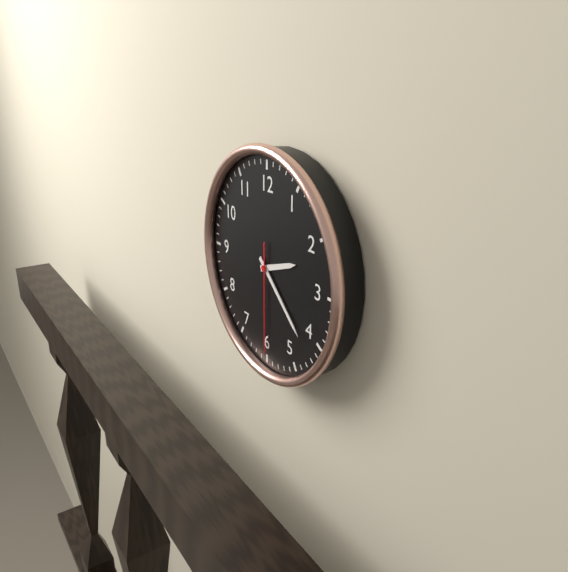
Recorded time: 2.22.30
